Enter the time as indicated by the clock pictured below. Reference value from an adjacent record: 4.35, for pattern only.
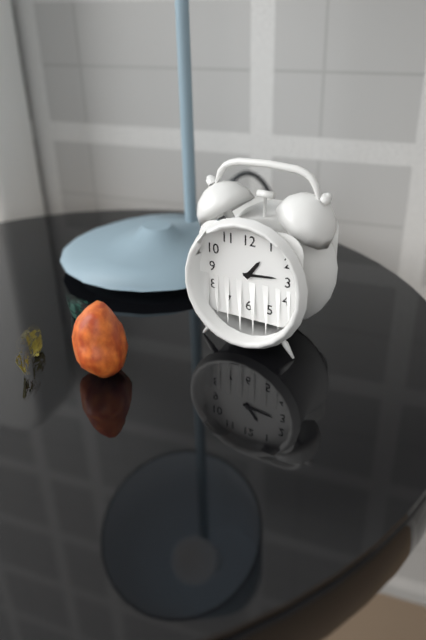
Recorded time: 1.14
